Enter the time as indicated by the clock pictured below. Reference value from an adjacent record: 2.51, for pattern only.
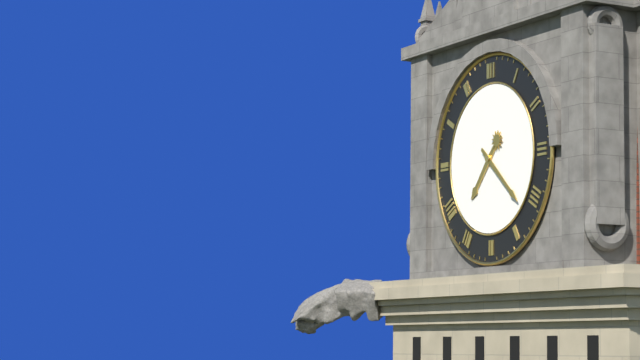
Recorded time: 7.22
